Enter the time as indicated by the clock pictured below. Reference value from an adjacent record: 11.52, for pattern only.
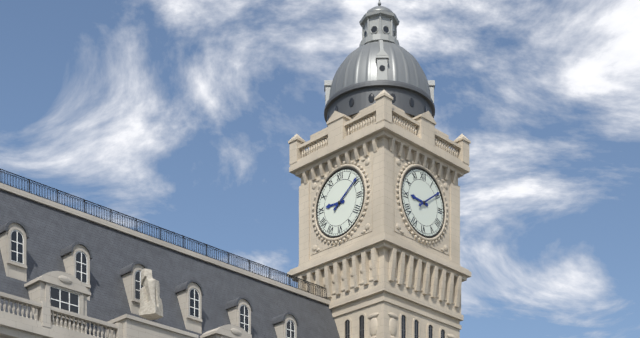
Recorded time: 9.09
